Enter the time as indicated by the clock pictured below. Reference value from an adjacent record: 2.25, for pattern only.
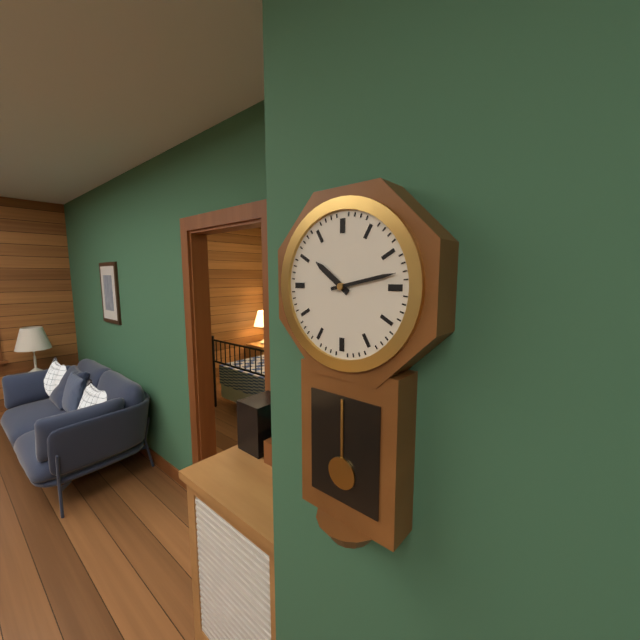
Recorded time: 10.13
